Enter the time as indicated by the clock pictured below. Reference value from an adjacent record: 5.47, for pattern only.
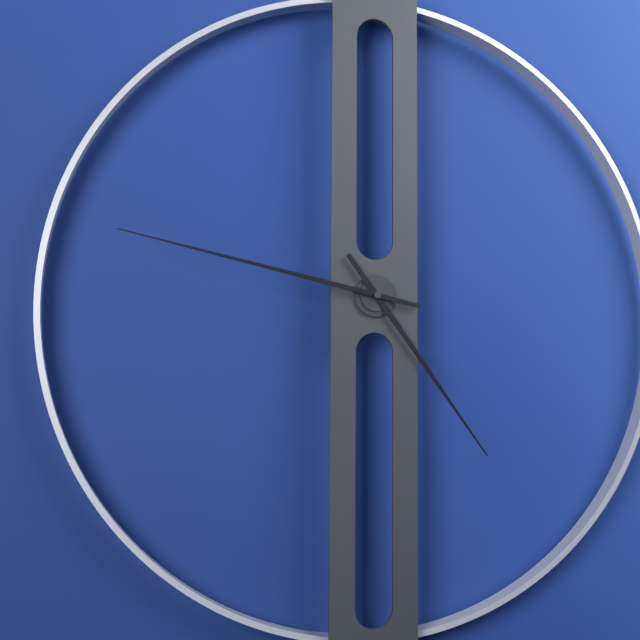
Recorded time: 4.47
